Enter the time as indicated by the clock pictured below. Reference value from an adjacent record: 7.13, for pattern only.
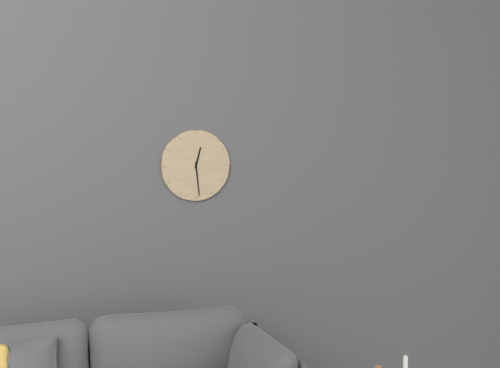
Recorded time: 12.29
